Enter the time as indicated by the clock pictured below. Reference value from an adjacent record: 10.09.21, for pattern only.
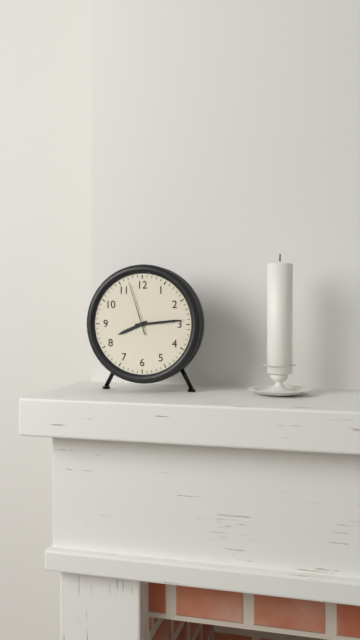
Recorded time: 8.14.57
